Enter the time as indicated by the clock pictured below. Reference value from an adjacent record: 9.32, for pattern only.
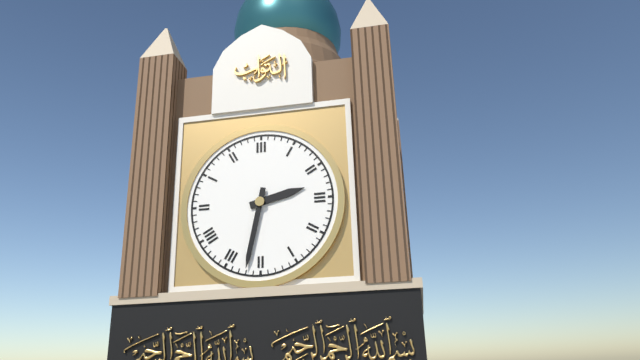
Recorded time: 2.32
